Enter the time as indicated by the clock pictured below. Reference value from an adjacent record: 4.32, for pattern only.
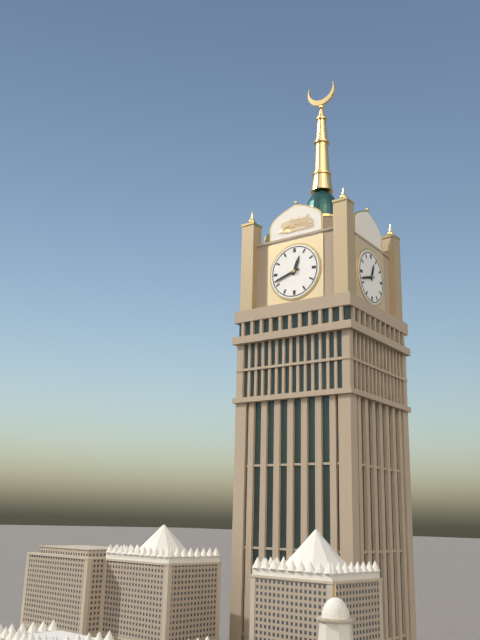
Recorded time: 12.42
